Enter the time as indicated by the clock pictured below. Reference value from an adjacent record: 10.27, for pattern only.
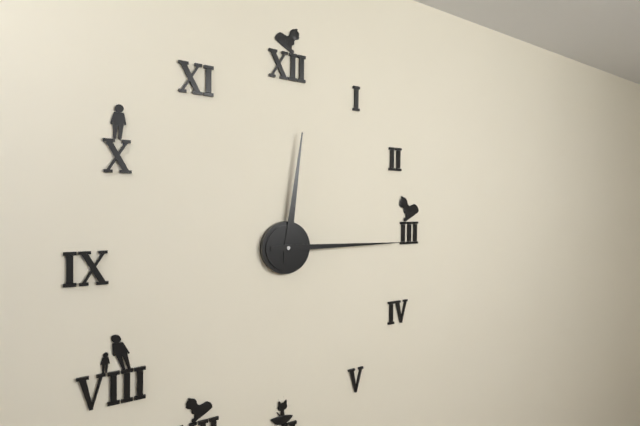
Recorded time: 12.15
